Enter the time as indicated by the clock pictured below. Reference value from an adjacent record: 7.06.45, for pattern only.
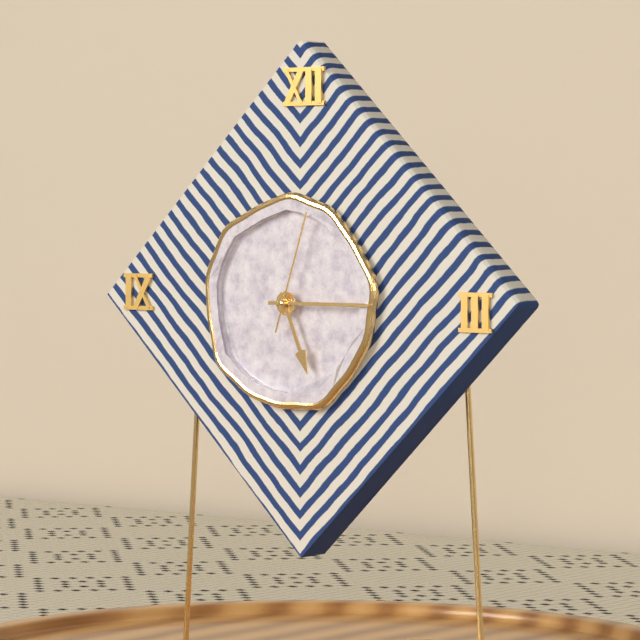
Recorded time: 5.15.03
